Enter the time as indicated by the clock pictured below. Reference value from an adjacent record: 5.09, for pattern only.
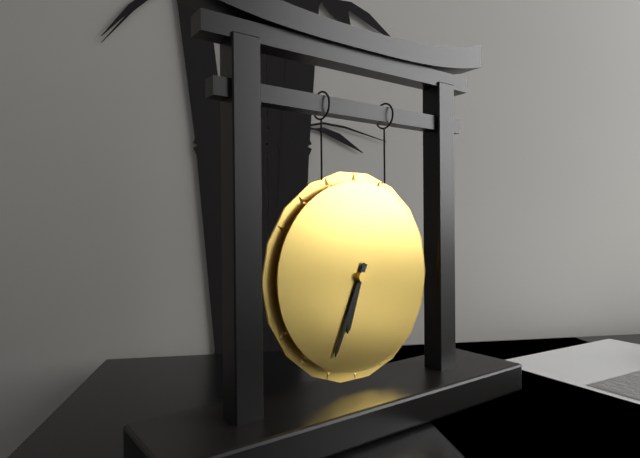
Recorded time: 6.34
